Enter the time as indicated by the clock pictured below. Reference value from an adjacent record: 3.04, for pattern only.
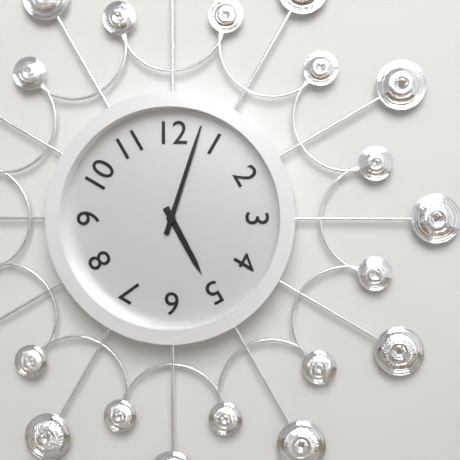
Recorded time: 5.03
